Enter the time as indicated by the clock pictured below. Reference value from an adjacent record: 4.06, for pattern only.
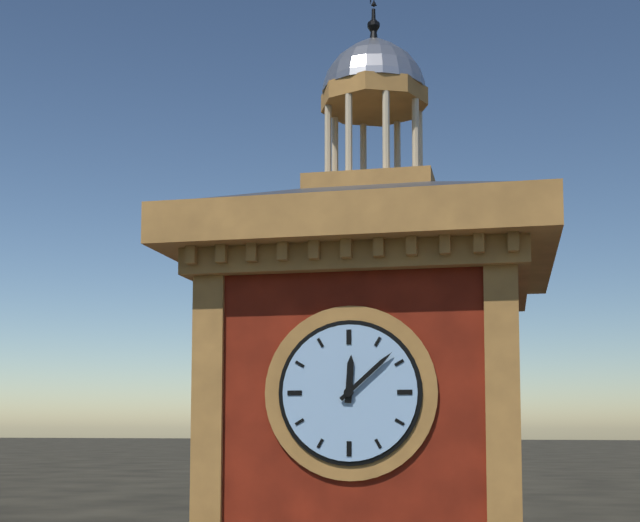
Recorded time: 12.08
